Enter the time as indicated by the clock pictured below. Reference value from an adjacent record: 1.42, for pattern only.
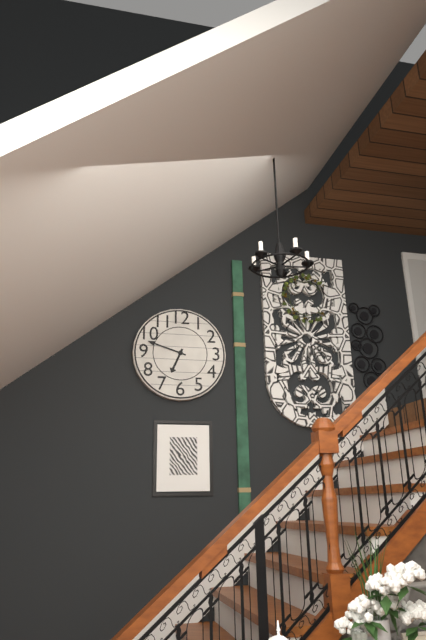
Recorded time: 6.48
